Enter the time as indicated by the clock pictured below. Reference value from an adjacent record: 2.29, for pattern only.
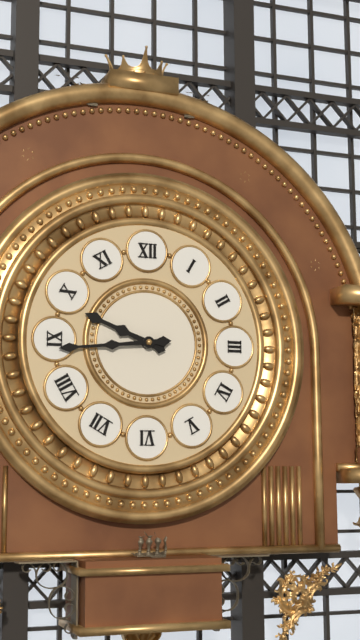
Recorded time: 9.44
